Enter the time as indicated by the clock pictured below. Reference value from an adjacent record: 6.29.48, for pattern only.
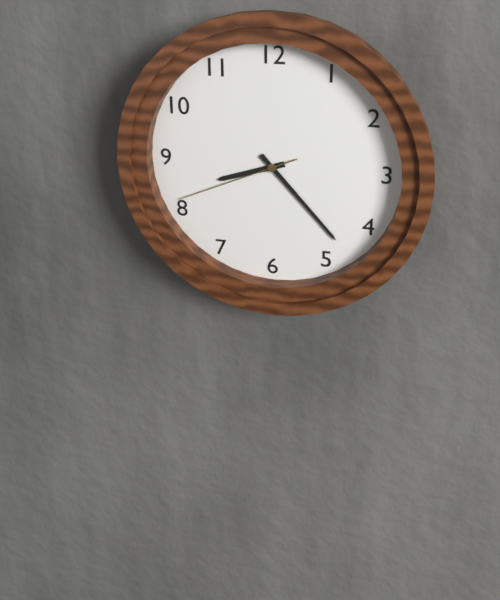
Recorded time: 8.23.41
